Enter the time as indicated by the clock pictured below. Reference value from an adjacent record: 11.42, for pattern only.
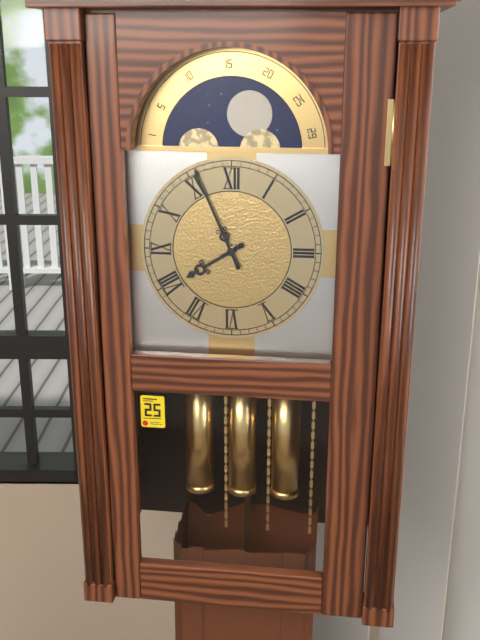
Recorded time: 7.56
